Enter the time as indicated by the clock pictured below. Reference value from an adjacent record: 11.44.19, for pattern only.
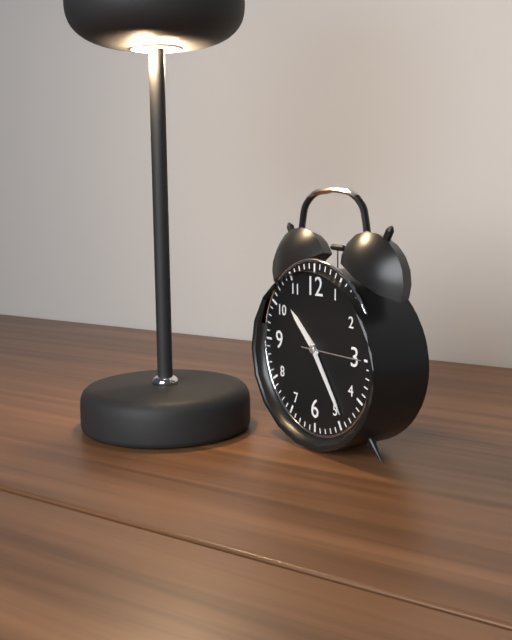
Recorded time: 10.24.15
